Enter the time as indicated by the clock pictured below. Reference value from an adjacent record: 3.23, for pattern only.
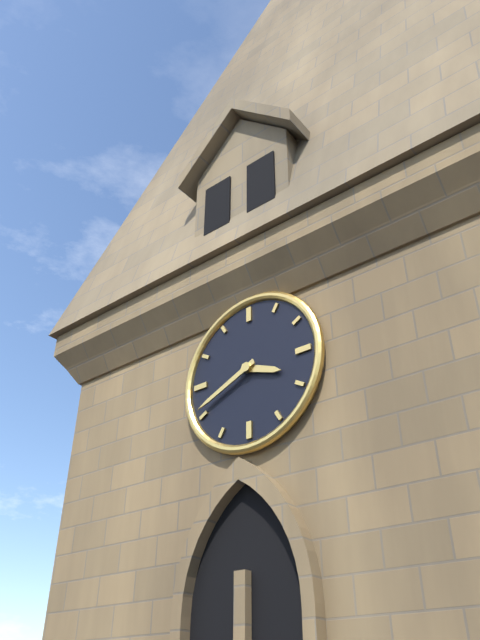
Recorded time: 3.41
